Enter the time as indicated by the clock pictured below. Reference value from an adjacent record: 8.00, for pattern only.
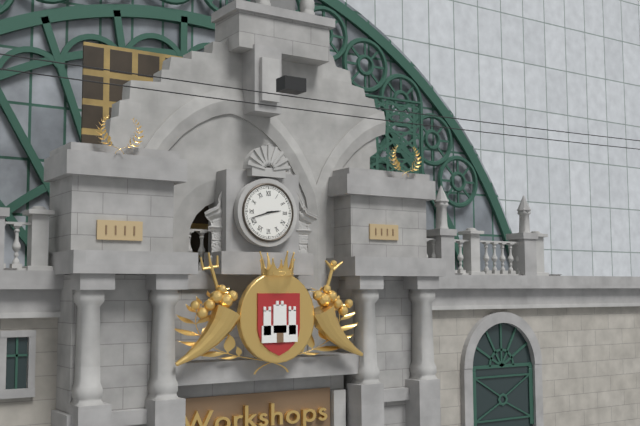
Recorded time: 2.42
